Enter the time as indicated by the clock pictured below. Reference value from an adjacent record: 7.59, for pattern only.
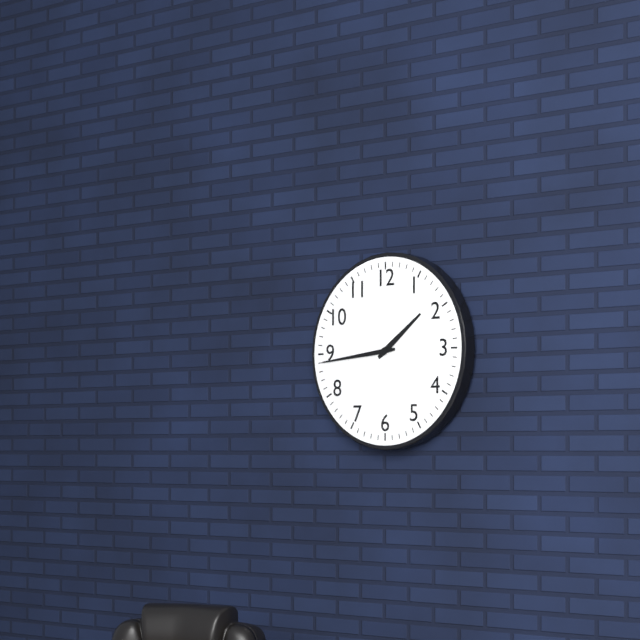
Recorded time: 1.44
